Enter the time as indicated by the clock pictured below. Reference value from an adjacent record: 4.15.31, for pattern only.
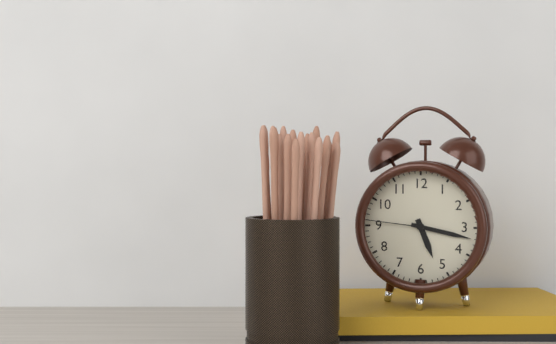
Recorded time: 5.17.46
